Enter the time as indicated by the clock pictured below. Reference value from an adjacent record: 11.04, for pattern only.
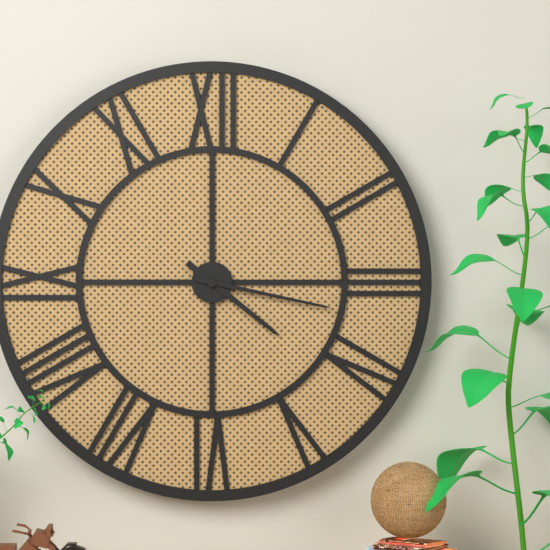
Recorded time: 4.17
